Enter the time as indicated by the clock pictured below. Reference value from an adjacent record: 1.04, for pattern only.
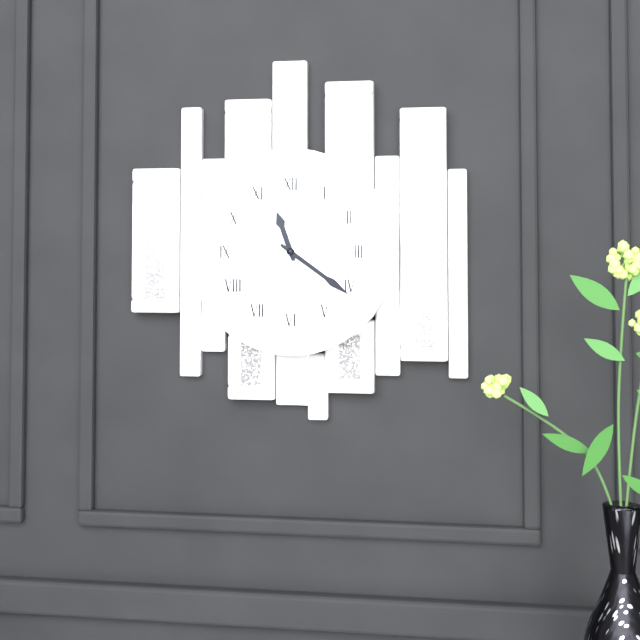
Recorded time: 11.21
